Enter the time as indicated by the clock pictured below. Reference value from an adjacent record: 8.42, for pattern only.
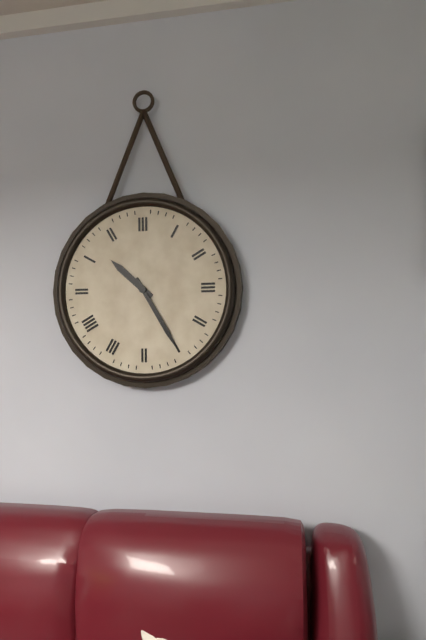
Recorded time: 10.25
